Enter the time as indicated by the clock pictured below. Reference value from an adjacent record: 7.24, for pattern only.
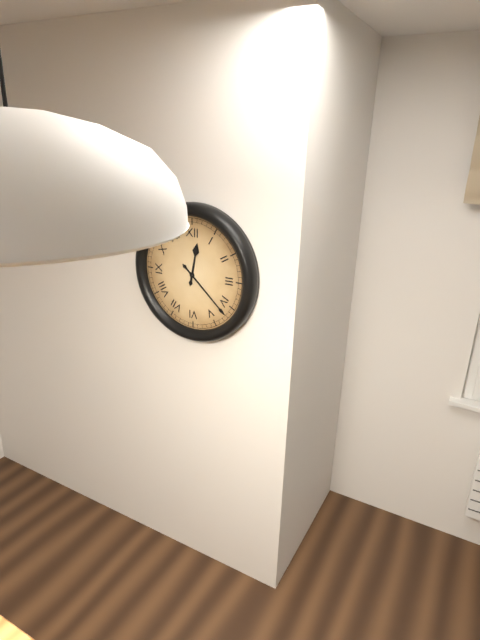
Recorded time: 12.22
